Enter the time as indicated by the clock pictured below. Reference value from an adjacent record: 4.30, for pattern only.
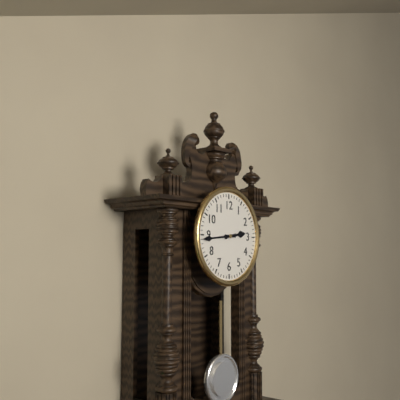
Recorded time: 2.44
